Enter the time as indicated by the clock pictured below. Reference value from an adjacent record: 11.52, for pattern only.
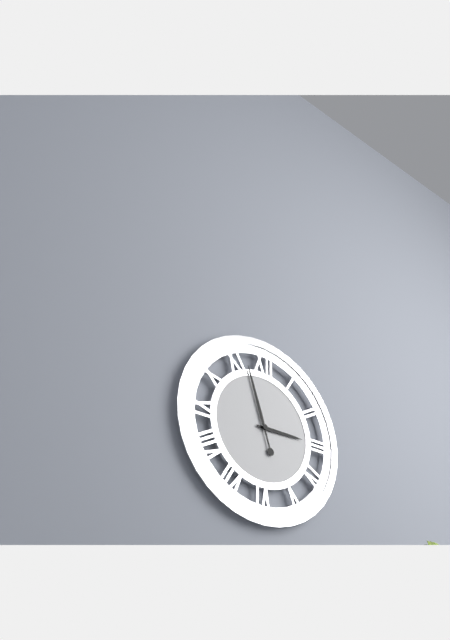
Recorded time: 2.57
